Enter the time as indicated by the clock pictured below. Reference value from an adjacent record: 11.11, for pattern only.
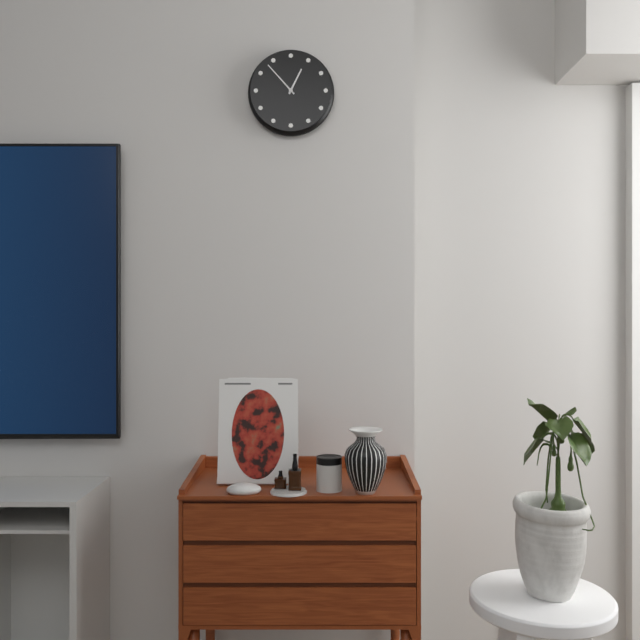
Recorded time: 12.53
